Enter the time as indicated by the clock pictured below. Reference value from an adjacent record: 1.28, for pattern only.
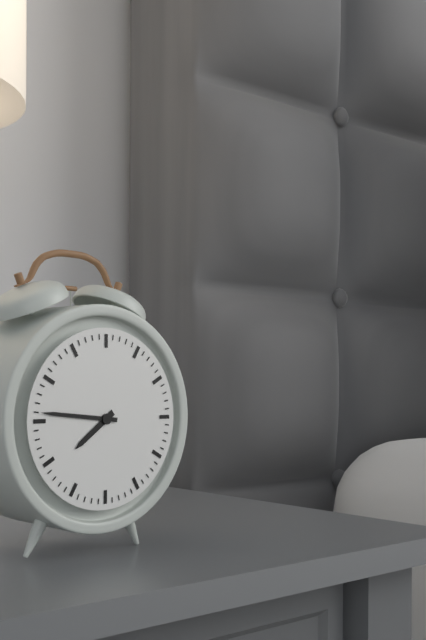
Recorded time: 7.46
